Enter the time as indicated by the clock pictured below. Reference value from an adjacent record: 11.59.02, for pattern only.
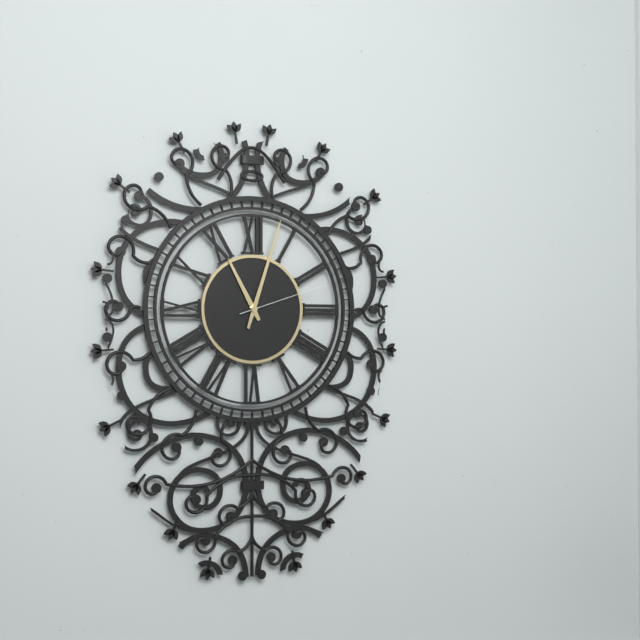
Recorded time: 11.03.12
